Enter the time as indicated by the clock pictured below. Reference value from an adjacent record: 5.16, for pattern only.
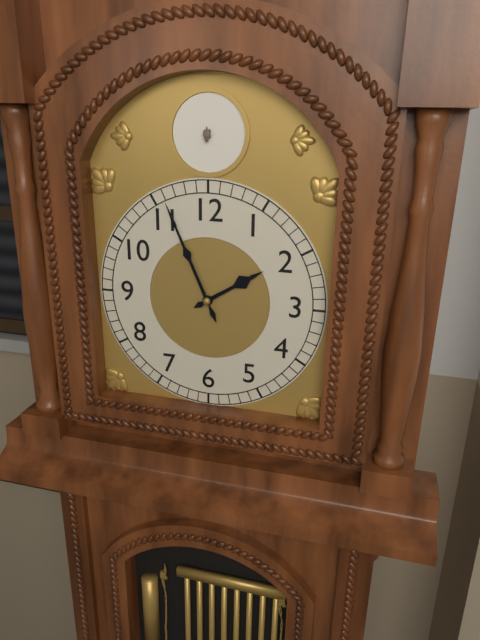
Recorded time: 1.56
